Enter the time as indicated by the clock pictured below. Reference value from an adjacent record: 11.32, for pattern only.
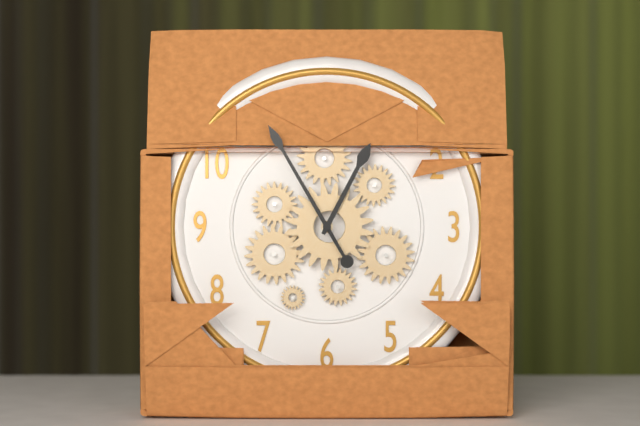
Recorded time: 12.55
